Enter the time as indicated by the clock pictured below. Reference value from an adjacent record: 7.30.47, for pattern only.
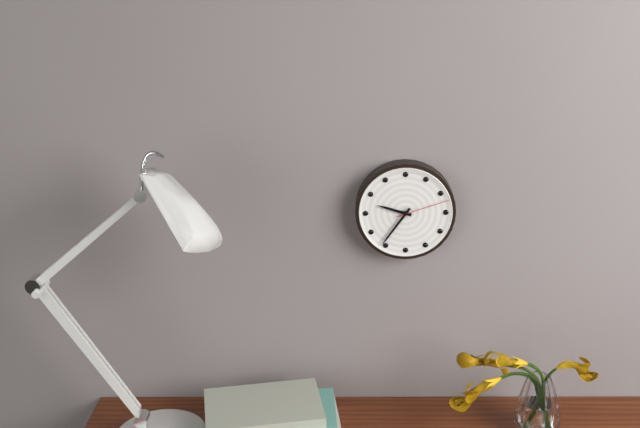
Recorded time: 9.36.12
